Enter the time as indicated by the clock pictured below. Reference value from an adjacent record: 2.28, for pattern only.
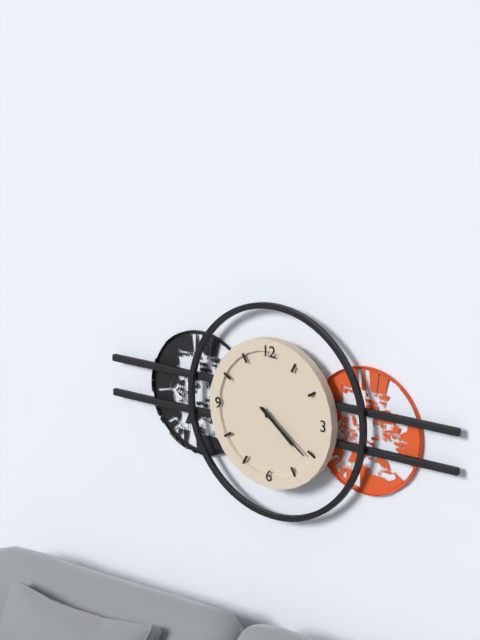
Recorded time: 4.21
